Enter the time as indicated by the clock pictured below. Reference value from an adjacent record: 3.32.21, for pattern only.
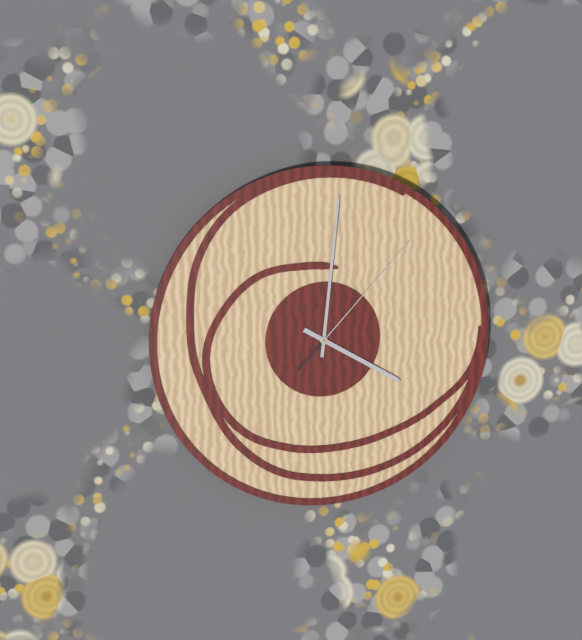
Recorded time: 4.01.07
